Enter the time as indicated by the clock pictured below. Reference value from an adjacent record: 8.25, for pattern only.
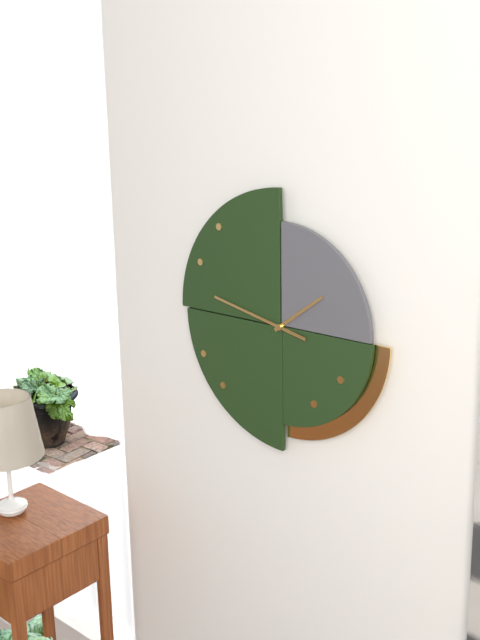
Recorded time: 1.47
